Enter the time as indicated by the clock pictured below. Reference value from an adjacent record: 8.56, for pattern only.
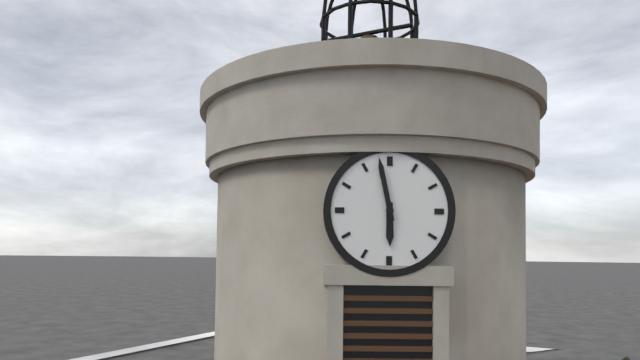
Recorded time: 5.58
